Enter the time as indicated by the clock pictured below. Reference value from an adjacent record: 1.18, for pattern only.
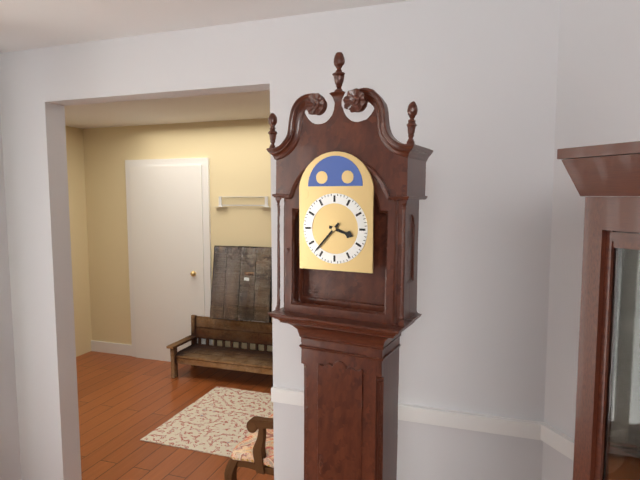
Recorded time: 3.37
